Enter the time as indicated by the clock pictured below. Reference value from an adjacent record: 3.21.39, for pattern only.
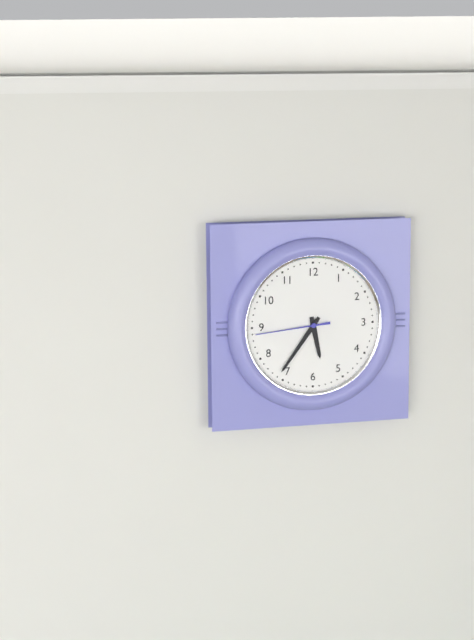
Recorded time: 5.36.44
